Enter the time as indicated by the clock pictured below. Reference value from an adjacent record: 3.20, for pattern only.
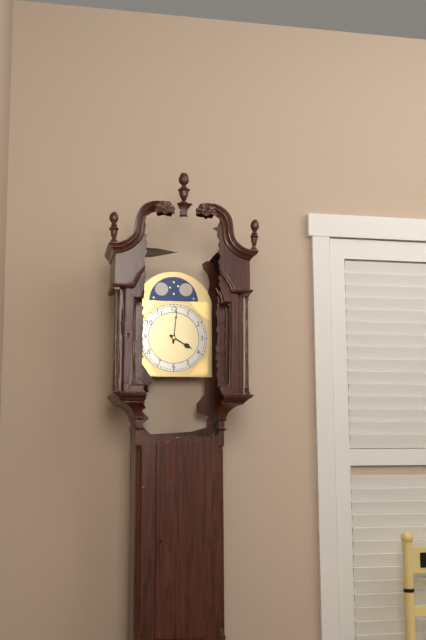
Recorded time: 4.01
